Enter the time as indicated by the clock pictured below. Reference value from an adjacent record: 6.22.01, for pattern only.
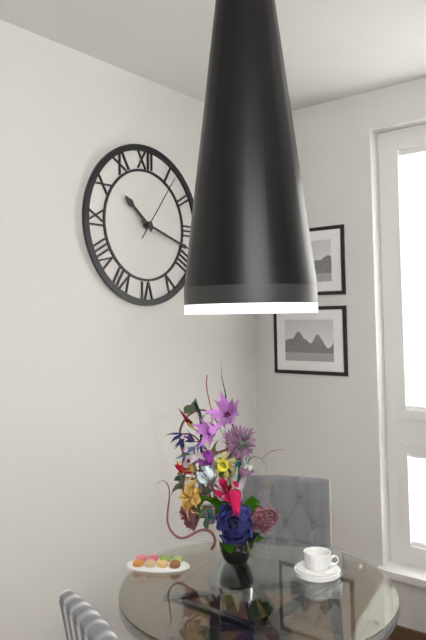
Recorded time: 10.18.06
